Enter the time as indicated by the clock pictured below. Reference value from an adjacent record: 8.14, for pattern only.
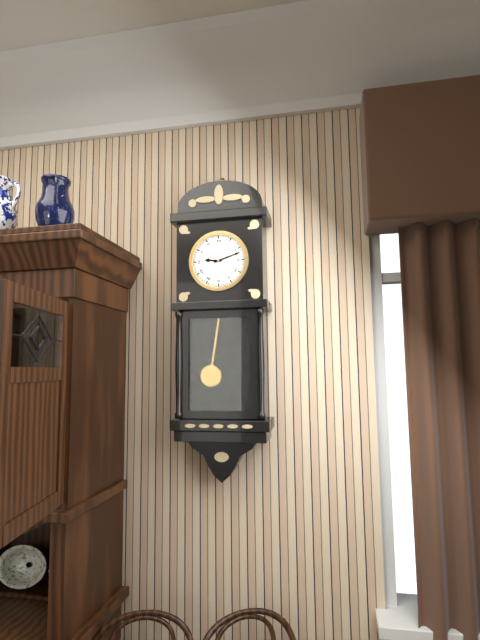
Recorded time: 9.12
